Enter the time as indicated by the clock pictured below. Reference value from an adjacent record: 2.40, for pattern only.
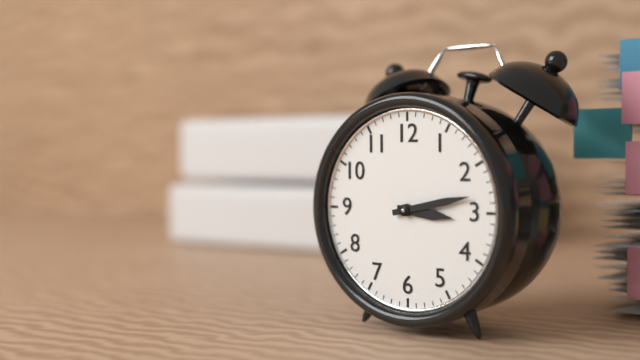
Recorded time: 3.13
